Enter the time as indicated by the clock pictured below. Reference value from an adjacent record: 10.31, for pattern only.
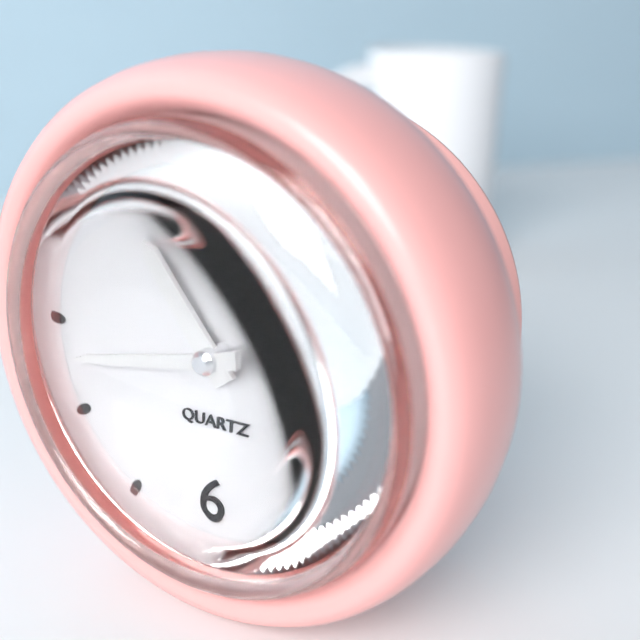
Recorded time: 10.43
